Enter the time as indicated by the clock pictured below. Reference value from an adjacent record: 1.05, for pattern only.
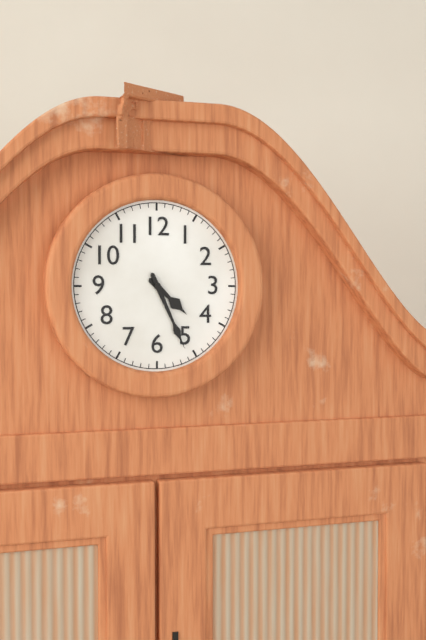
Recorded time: 4.26
